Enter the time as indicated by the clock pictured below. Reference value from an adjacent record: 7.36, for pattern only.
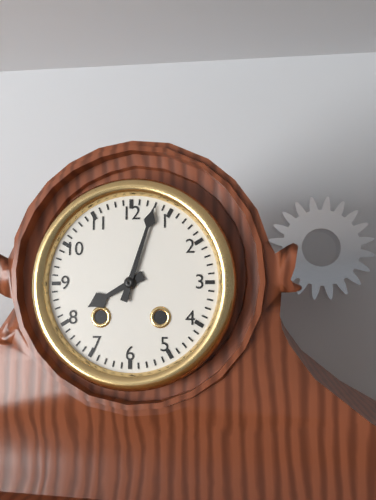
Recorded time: 8.03
